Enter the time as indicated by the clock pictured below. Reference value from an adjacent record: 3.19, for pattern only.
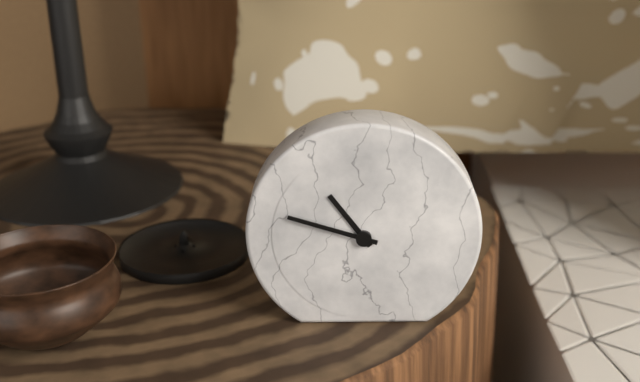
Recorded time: 10.48
